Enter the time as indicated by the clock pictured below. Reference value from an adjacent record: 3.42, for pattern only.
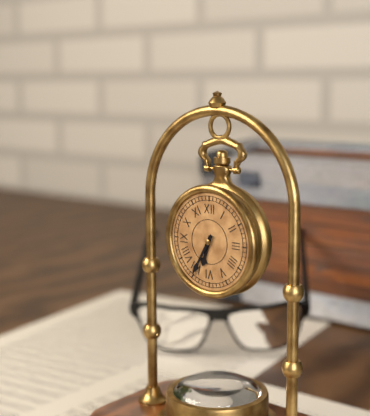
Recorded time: 6.35
